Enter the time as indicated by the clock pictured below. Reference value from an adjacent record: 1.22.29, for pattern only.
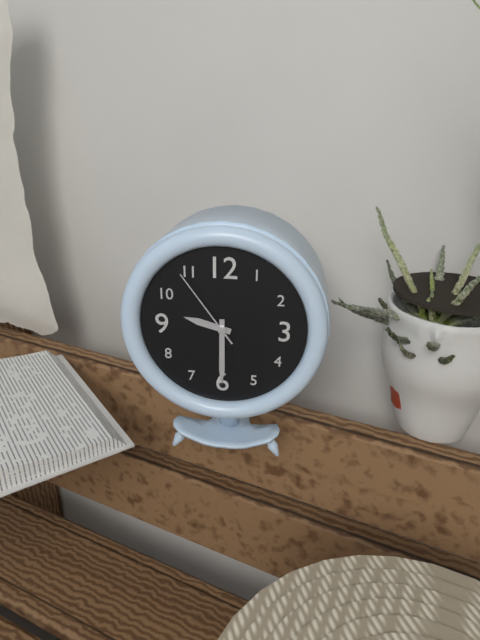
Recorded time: 9.30.54
